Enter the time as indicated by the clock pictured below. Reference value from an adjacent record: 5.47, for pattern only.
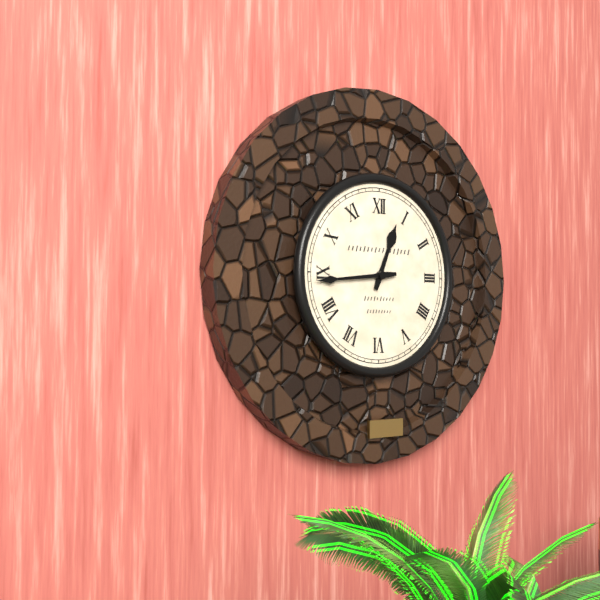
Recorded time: 12.44
